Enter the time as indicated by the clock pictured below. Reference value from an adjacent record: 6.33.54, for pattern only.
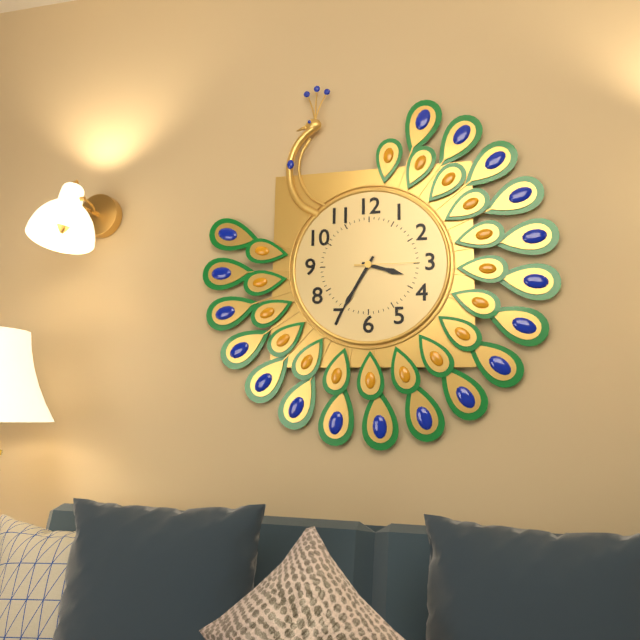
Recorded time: 3.35.15
